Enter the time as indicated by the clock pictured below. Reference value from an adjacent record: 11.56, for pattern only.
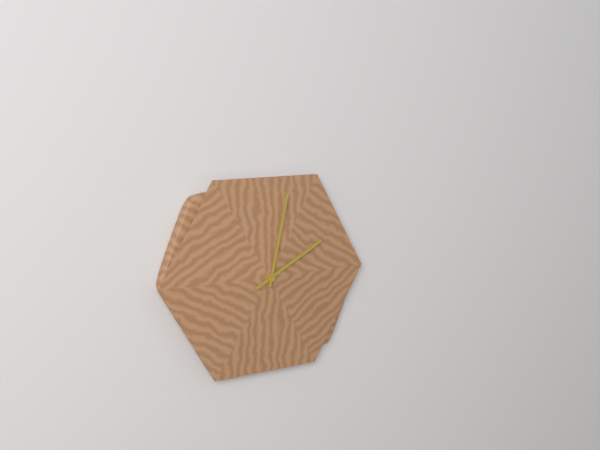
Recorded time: 2.02
